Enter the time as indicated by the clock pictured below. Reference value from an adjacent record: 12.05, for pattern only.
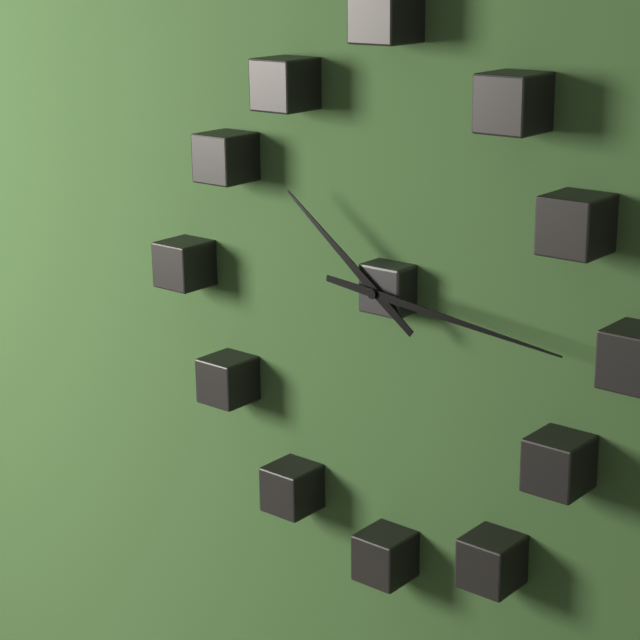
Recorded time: 10.16
